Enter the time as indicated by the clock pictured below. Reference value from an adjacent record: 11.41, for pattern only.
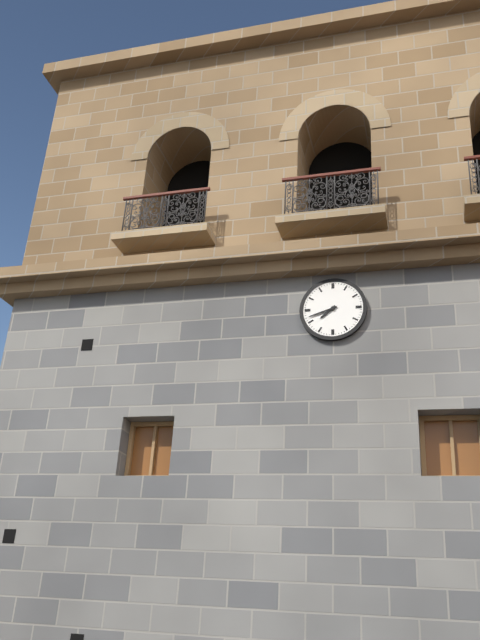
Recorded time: 7.42
